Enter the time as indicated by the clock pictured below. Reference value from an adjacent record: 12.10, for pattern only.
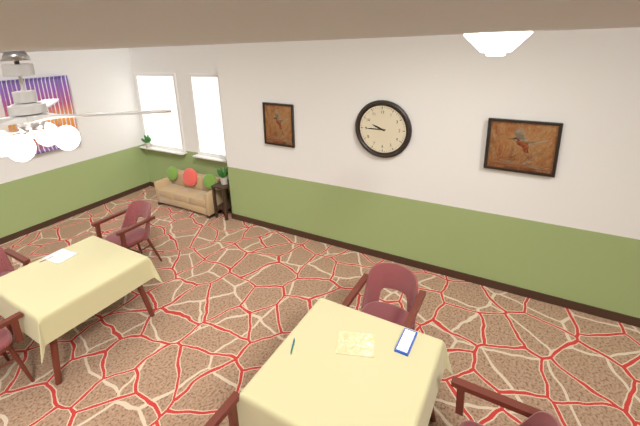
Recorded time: 9.45
